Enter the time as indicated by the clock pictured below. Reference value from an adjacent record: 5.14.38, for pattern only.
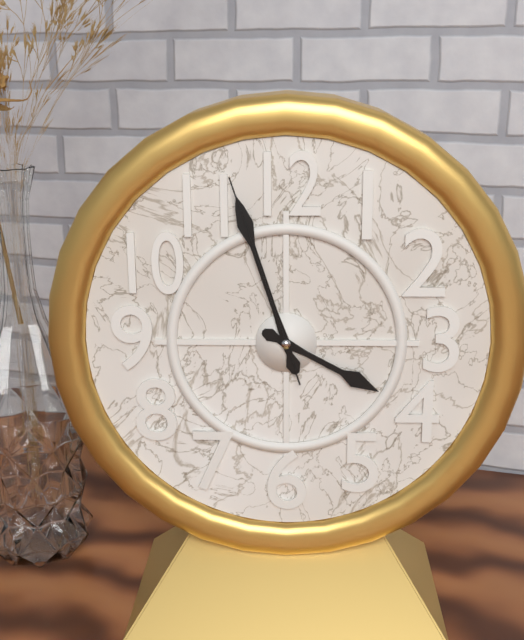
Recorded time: 3.57.57
